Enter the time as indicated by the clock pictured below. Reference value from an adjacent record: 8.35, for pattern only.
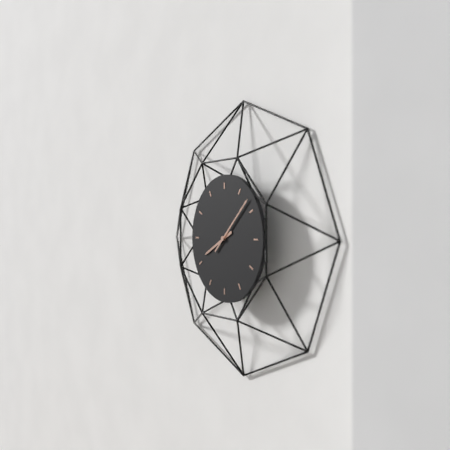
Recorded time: 8.08
